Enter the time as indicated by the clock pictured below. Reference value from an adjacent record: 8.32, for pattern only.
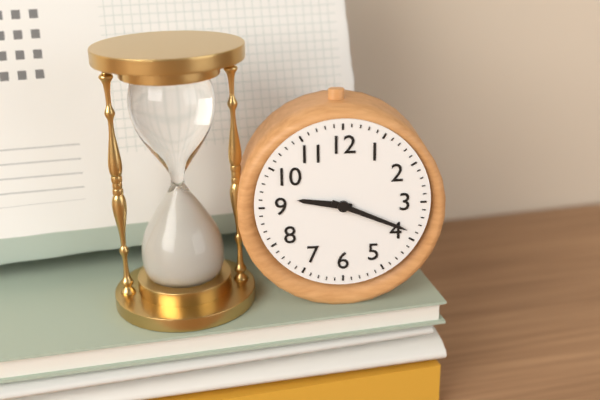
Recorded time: 9.19
